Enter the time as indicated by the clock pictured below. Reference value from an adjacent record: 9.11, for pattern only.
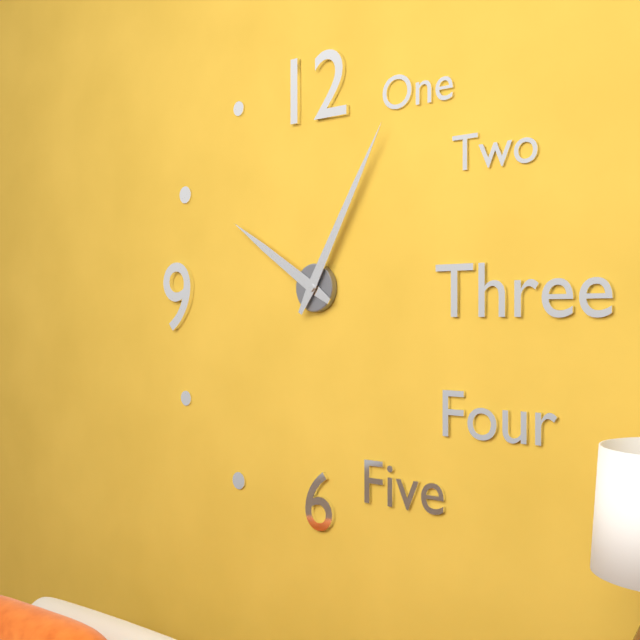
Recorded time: 10.05
